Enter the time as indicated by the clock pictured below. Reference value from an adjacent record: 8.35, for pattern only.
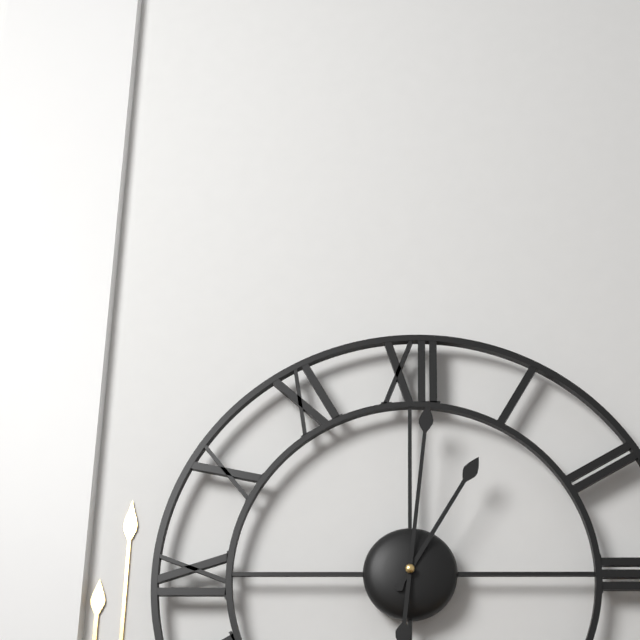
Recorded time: 1.01
